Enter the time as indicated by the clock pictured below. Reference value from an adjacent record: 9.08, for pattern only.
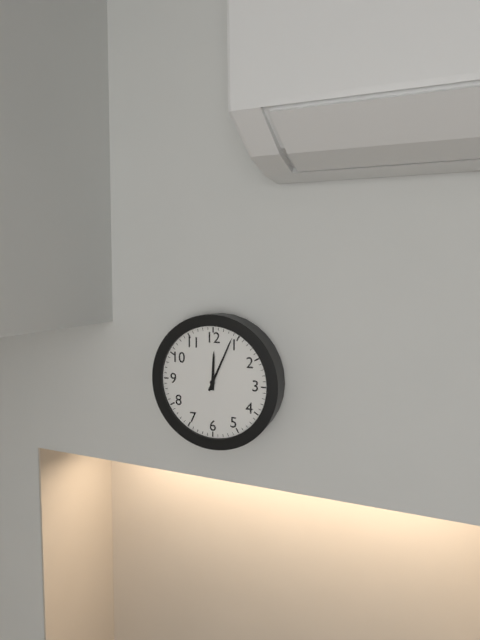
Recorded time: 12.04
